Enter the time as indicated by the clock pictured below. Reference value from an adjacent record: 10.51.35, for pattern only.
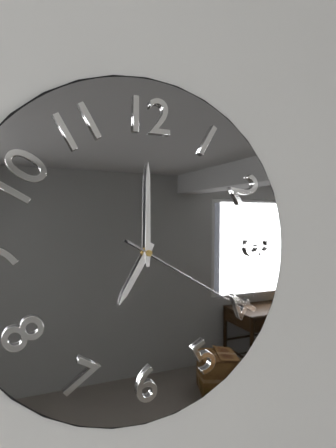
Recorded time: 7.00.20
